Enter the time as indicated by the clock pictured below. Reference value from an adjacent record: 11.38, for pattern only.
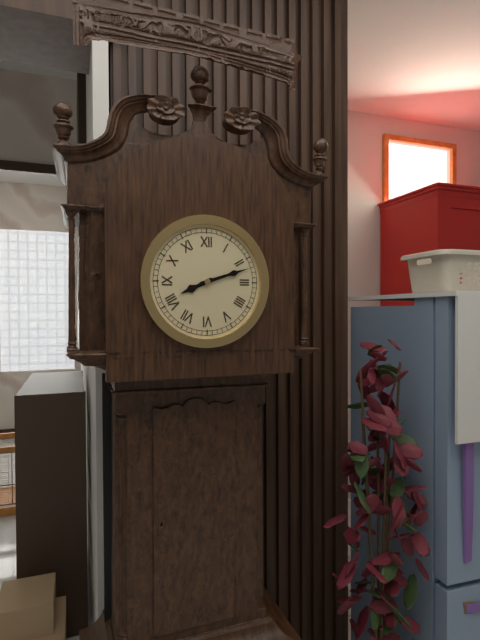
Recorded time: 8.12
